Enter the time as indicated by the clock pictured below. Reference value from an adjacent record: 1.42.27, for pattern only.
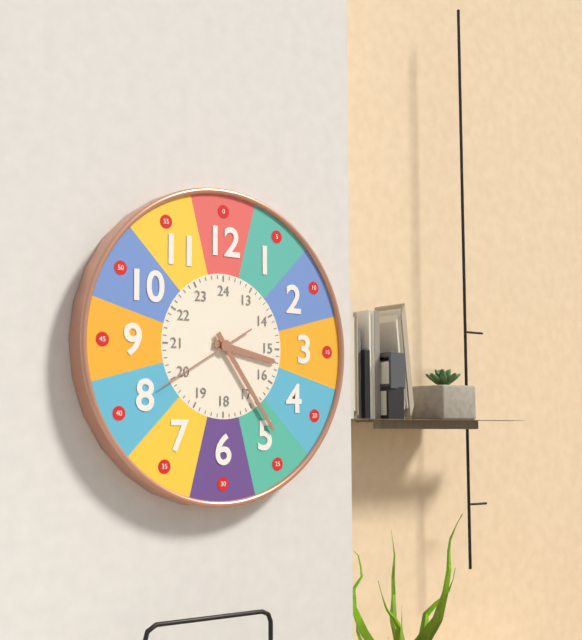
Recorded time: 3.24.40
